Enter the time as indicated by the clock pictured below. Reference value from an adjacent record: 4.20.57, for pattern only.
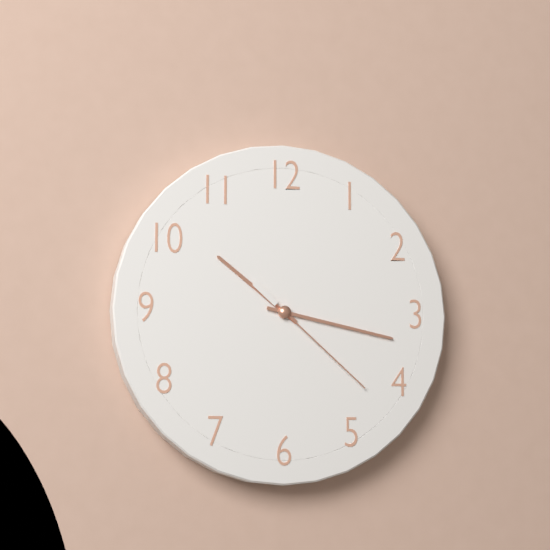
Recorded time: 10.17.22
